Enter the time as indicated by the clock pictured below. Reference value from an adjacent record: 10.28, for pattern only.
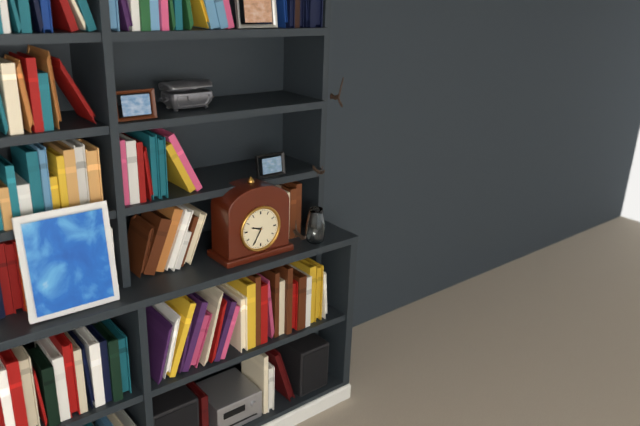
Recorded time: 9.35
